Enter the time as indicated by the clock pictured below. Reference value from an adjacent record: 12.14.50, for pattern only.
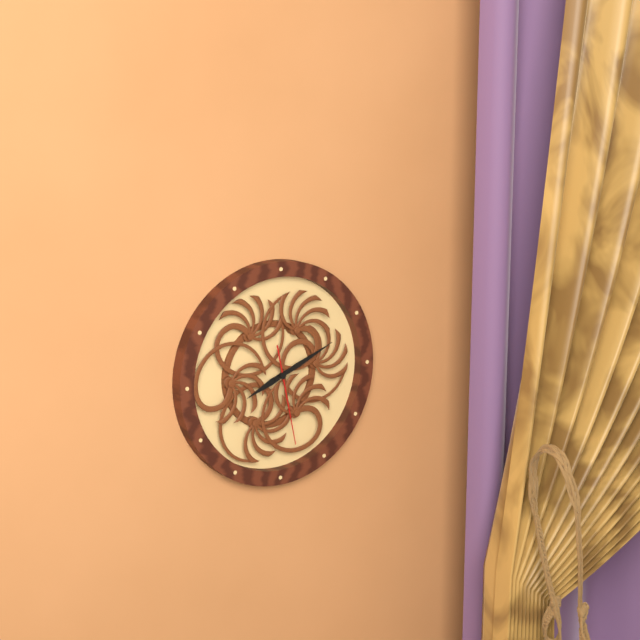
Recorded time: 8.11.28
